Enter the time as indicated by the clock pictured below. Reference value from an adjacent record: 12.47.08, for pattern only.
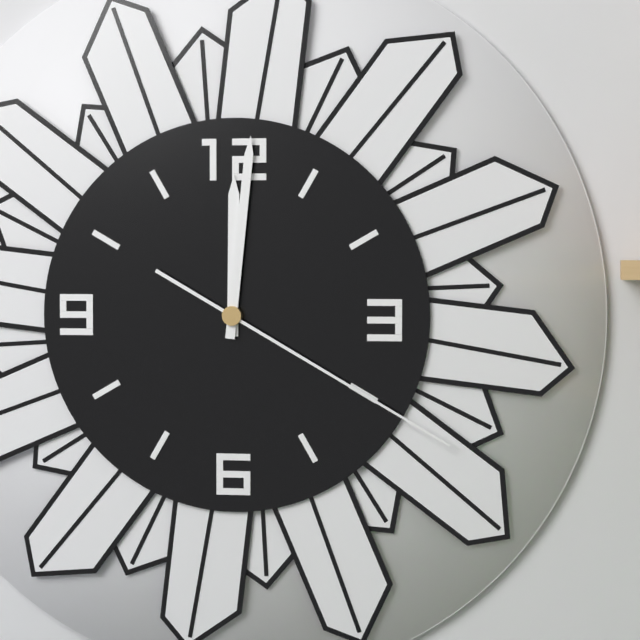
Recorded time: 12.01.20
